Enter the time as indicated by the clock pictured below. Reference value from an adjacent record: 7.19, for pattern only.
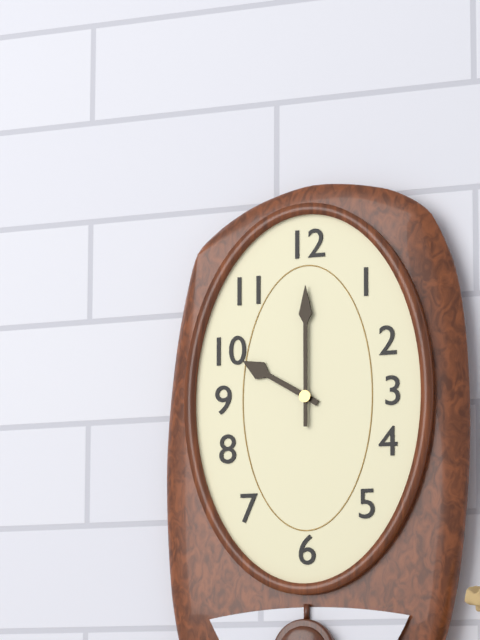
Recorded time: 10.00
